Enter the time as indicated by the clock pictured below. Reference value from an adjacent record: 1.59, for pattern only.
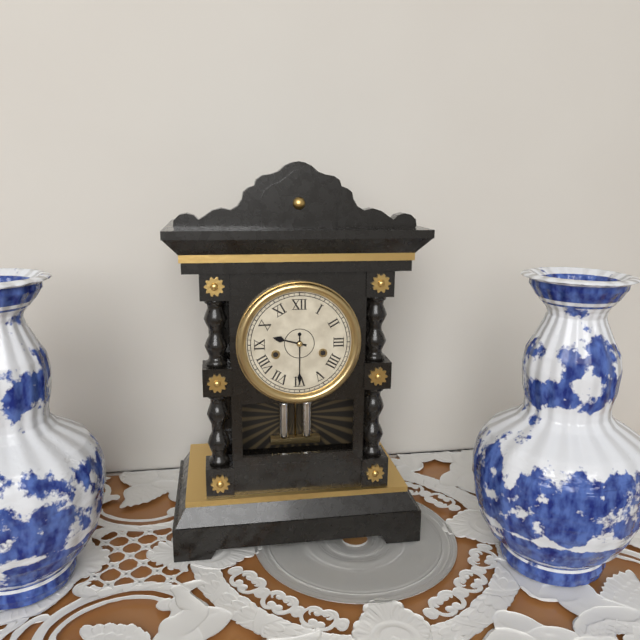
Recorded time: 9.30
